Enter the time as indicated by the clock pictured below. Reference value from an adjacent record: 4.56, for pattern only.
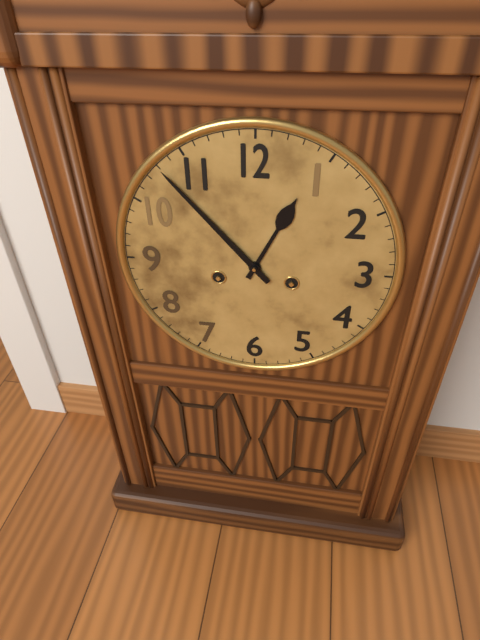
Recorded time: 12.53
